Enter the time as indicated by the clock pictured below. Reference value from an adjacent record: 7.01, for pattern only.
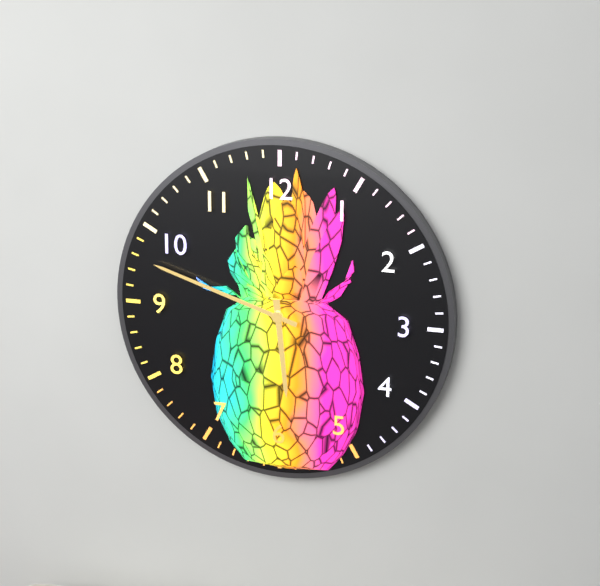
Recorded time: 5.48
